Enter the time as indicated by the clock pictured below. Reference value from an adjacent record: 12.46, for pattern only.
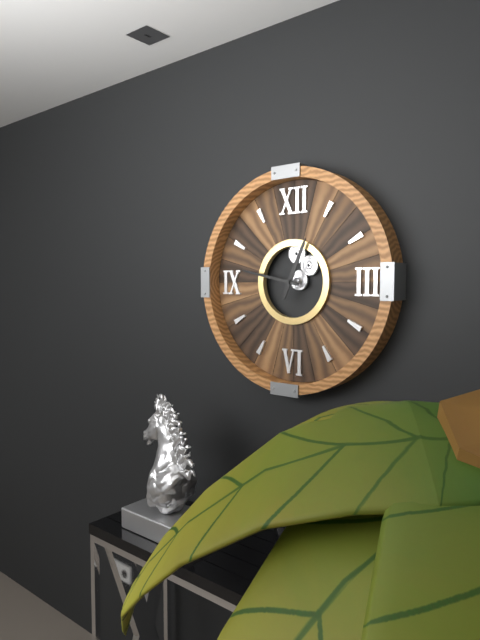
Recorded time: 12.47
